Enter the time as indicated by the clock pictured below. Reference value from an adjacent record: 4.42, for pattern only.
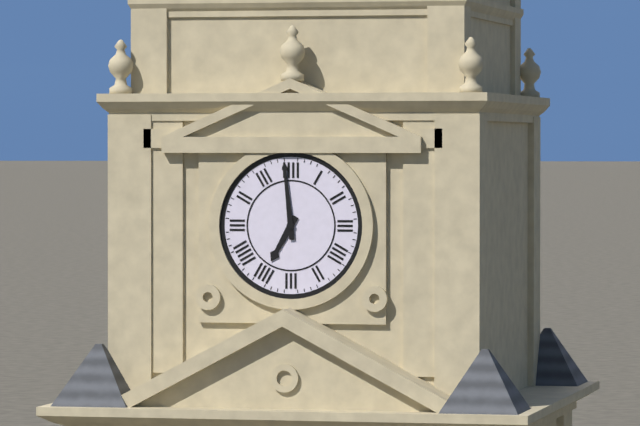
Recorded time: 6.59
